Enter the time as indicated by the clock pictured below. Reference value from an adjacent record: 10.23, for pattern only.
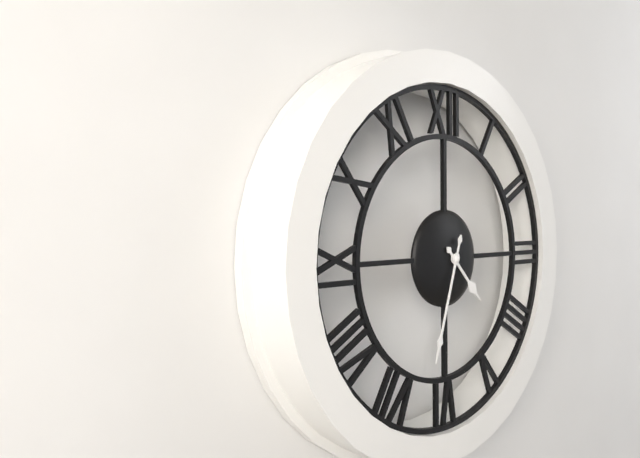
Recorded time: 4.33
